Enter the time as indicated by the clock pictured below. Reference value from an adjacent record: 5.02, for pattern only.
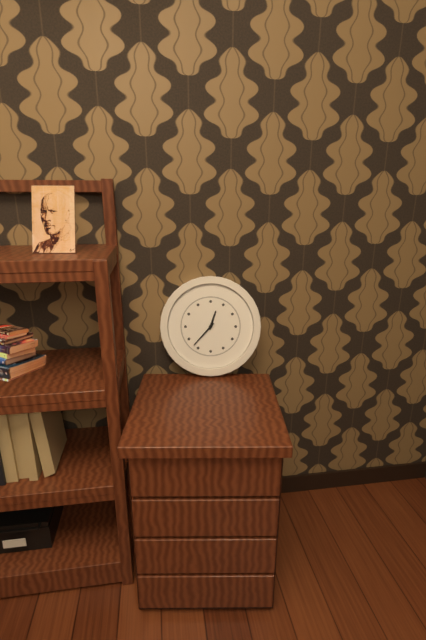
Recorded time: 12.37
